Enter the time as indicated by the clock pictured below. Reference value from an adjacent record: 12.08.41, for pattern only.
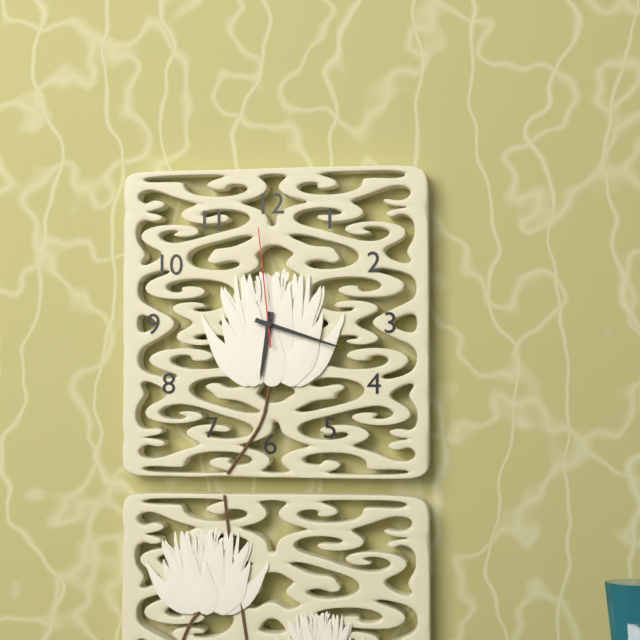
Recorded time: 6.18.59
